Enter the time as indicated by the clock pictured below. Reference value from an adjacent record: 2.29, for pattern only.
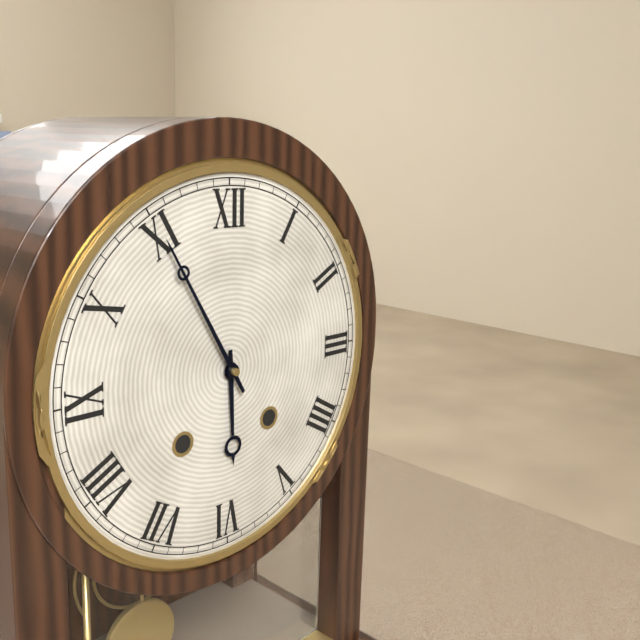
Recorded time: 5.55
